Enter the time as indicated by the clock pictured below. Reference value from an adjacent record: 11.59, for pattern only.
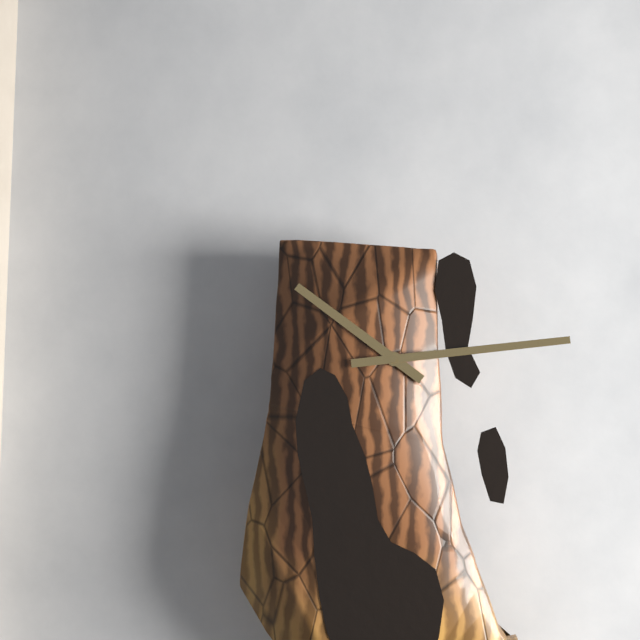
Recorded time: 10.14
